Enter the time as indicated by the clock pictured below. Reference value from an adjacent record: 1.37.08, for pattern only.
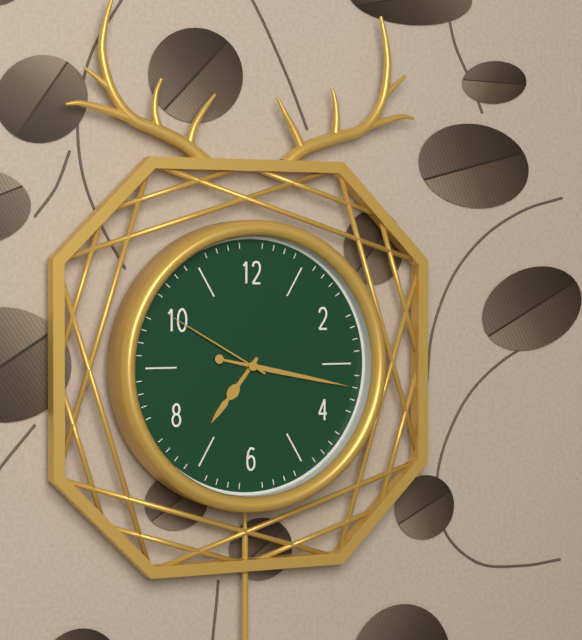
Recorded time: 7.17.50
